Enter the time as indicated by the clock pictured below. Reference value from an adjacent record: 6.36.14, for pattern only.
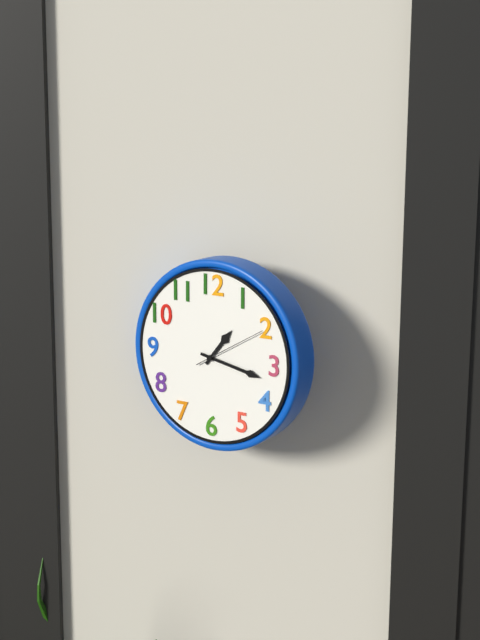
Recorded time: 1.17.10
